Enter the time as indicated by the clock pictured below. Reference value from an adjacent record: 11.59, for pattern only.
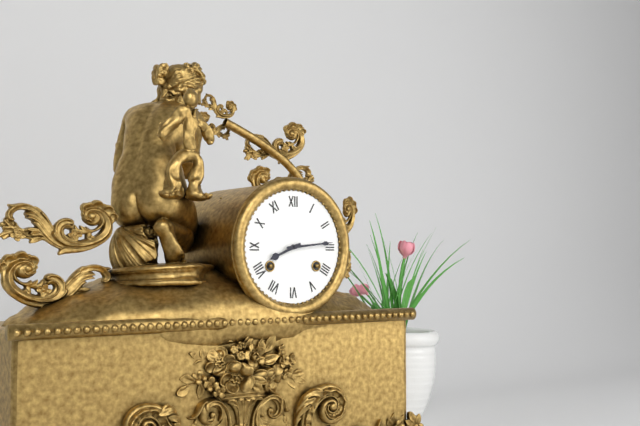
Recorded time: 8.14
